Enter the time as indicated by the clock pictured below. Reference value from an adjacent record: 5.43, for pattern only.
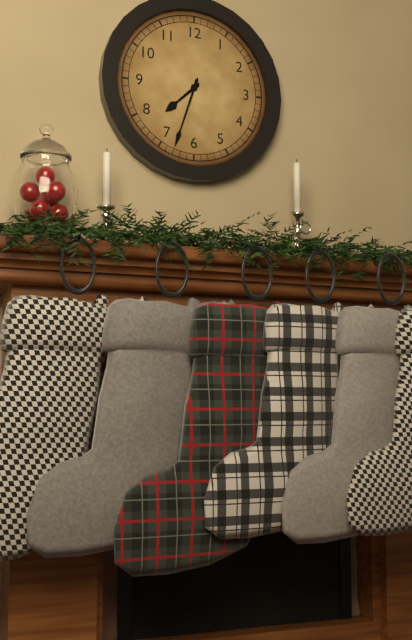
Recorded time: 7.33
